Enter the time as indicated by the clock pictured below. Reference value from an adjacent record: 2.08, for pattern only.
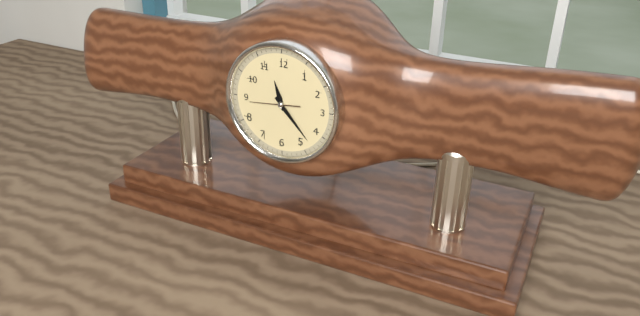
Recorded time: 11.23
